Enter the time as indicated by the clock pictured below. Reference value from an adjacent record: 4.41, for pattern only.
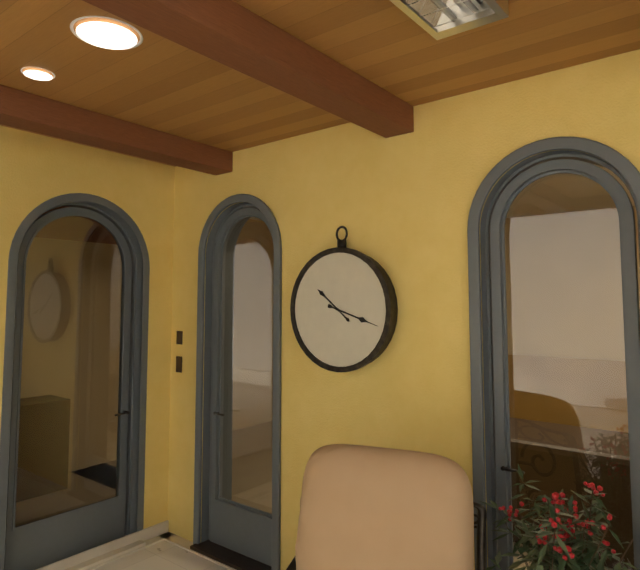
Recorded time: 10.18
